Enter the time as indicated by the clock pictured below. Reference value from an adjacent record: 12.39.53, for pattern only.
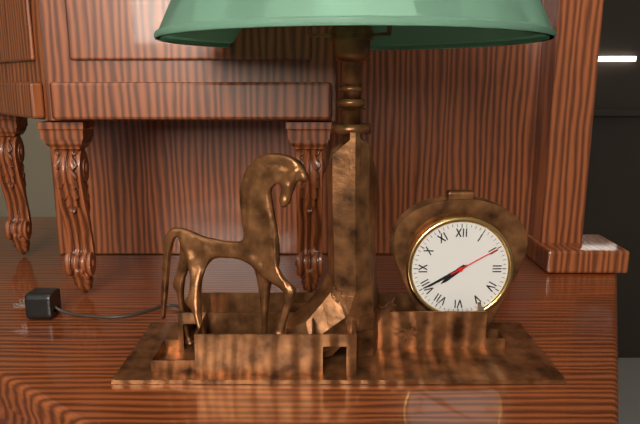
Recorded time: 7.40.10
